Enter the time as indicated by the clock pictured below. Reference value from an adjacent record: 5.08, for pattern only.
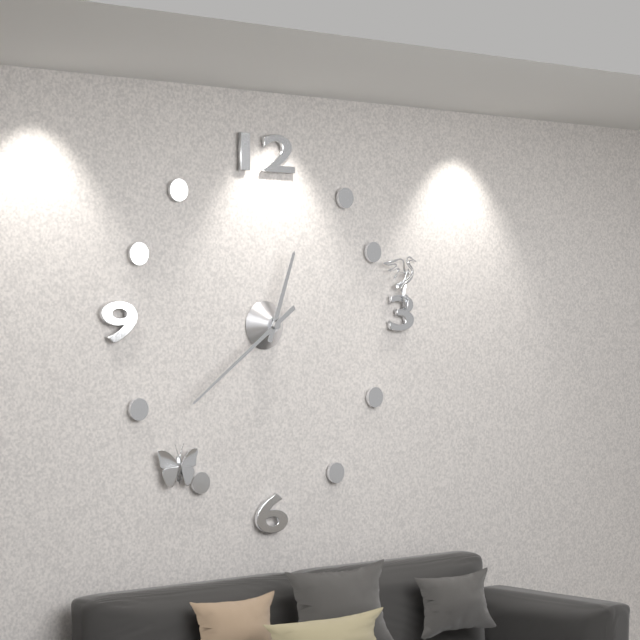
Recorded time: 12.39
